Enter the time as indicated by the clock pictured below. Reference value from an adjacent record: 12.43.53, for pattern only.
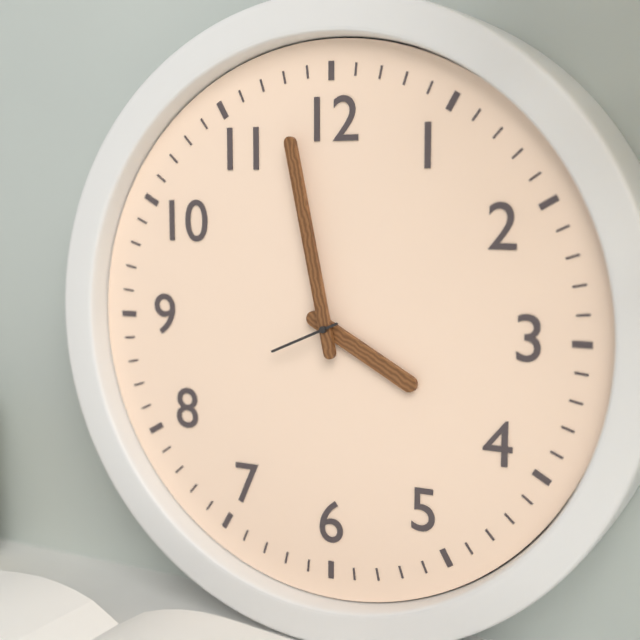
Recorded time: 3.58.41
